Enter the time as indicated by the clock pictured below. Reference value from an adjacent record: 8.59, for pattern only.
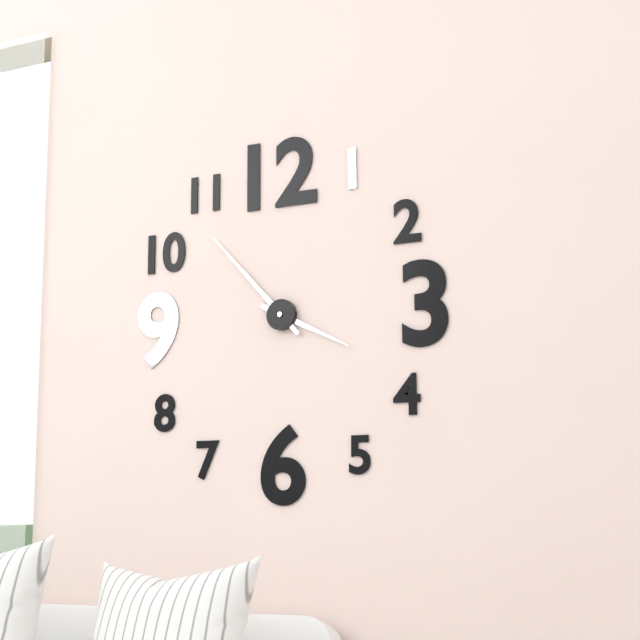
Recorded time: 3.53
